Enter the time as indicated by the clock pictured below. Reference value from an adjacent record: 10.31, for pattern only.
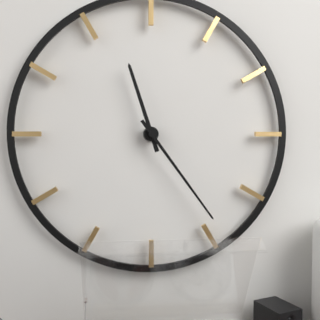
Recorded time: 11.24
